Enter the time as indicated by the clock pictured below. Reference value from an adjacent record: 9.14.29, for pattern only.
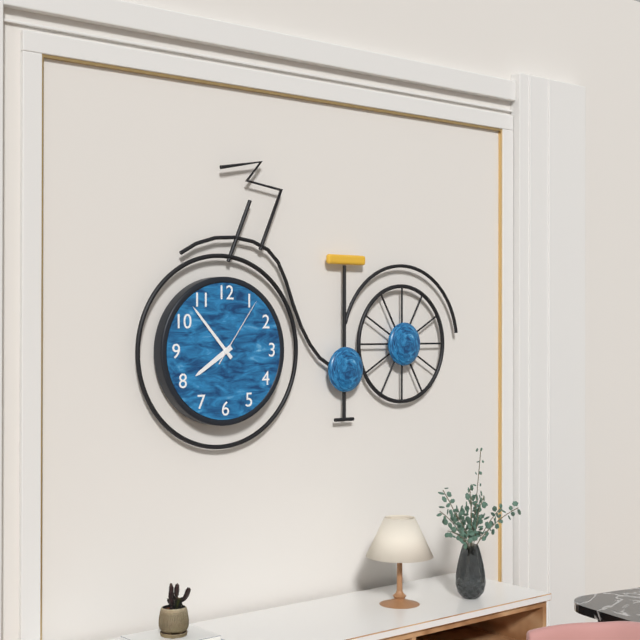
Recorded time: 7.53.06
